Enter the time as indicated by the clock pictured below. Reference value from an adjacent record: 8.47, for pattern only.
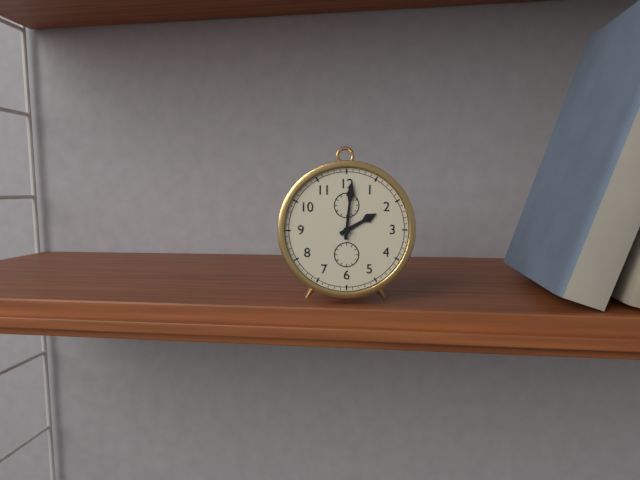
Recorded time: 2.01
